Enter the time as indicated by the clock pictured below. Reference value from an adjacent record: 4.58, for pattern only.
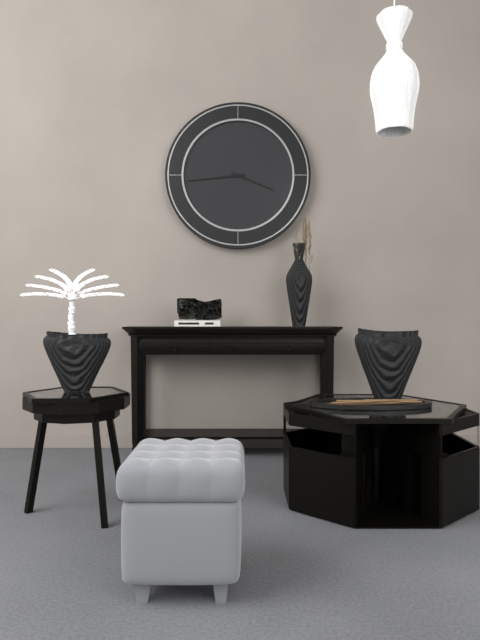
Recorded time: 3.44
